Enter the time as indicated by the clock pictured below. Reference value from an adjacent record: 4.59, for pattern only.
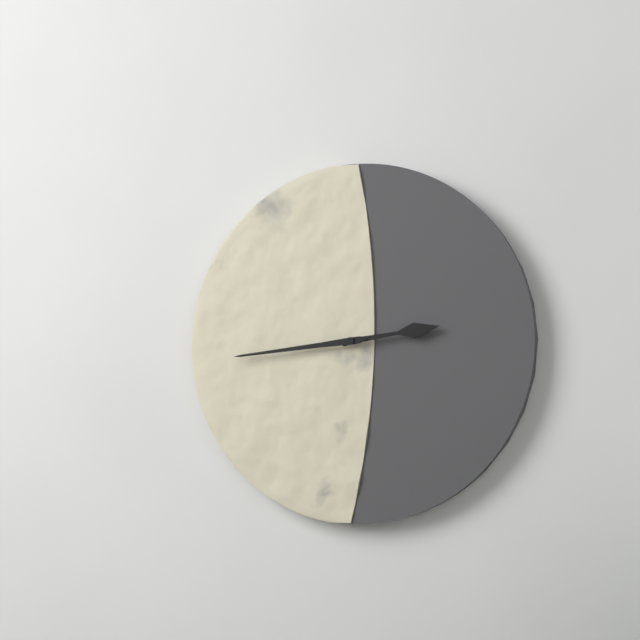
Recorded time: 2.44
